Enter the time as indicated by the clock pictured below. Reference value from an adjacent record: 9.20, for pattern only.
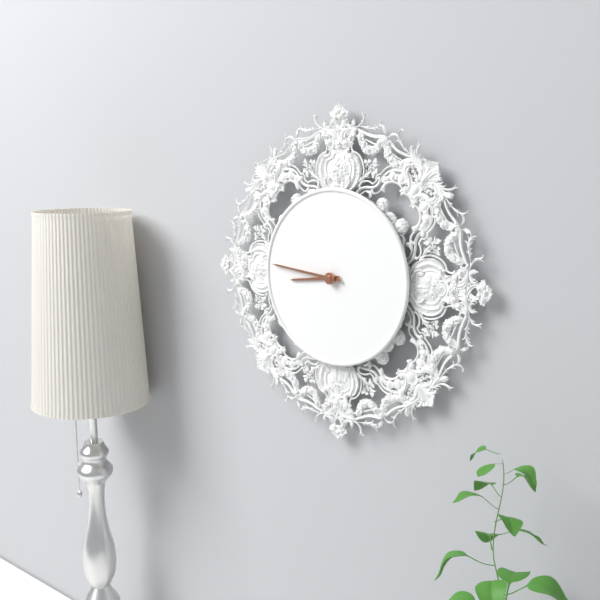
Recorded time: 8.46
